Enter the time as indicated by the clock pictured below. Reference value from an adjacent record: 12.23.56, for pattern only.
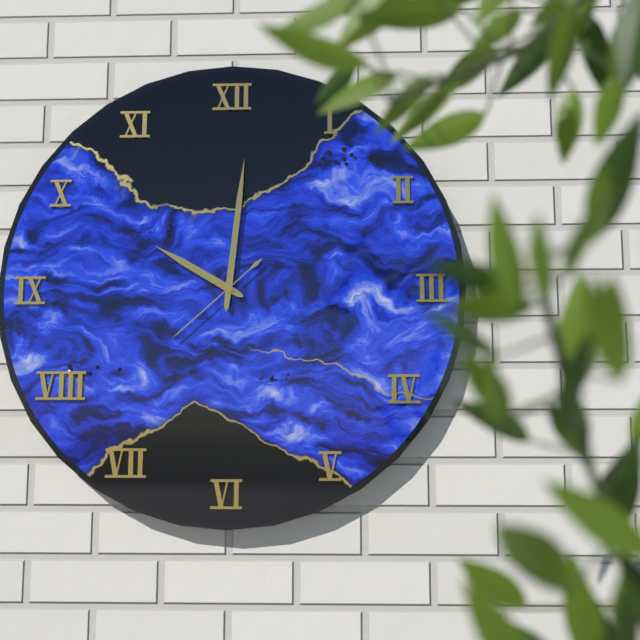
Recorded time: 10.01.38
